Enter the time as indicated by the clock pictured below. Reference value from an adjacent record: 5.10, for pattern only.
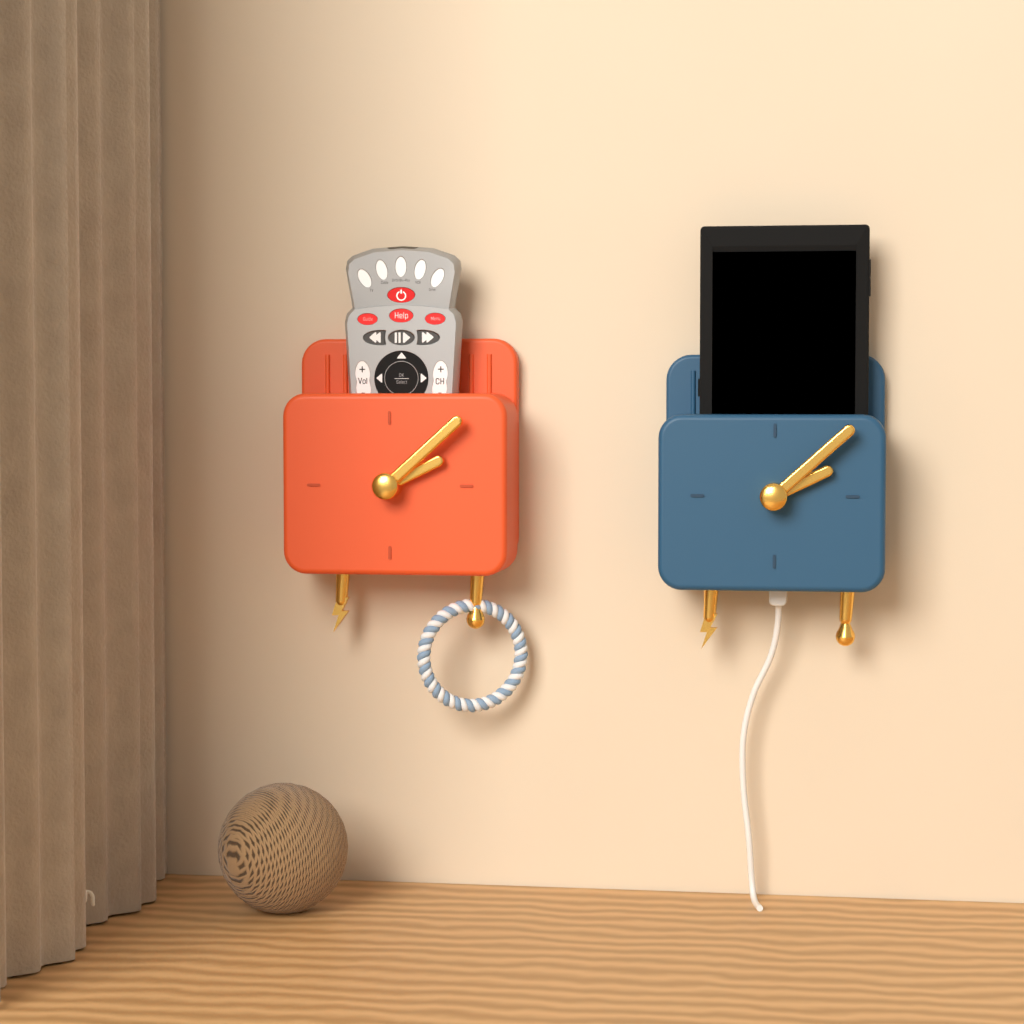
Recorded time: 2.08
